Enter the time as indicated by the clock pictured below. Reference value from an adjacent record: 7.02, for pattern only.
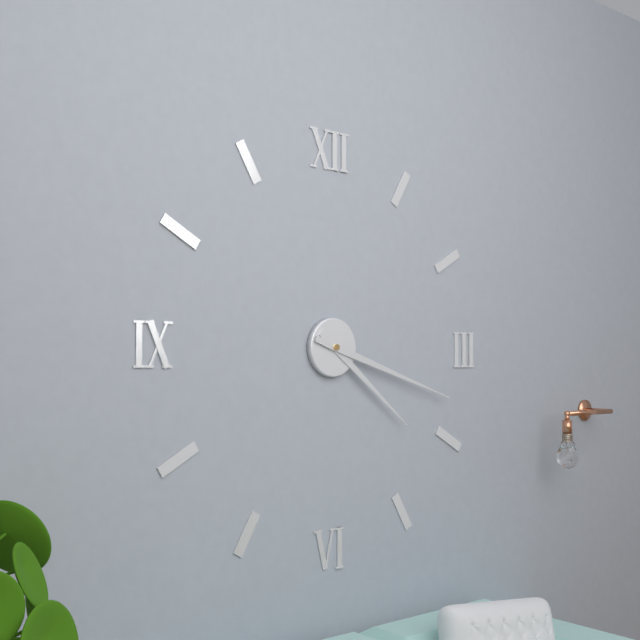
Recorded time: 4.18
